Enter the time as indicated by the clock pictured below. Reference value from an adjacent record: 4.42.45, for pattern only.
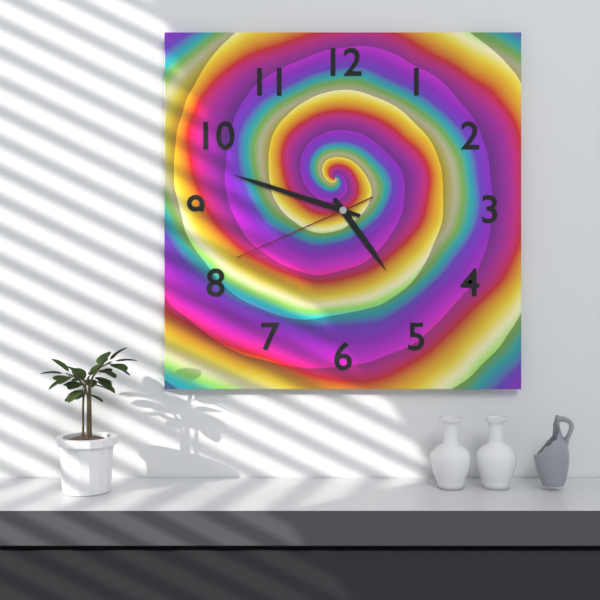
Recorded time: 4.48.41
